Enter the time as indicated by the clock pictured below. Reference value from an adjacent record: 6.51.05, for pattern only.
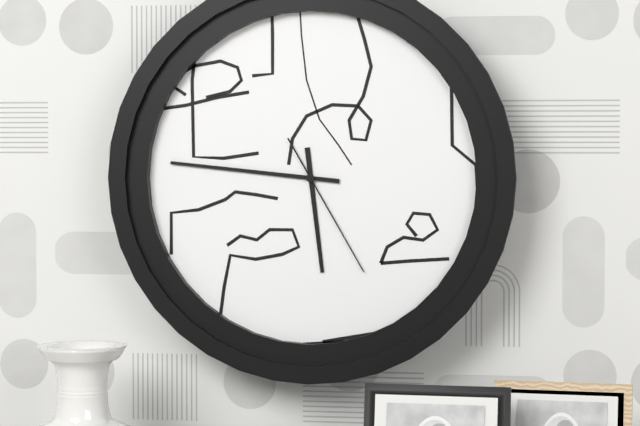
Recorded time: 5.46.25
